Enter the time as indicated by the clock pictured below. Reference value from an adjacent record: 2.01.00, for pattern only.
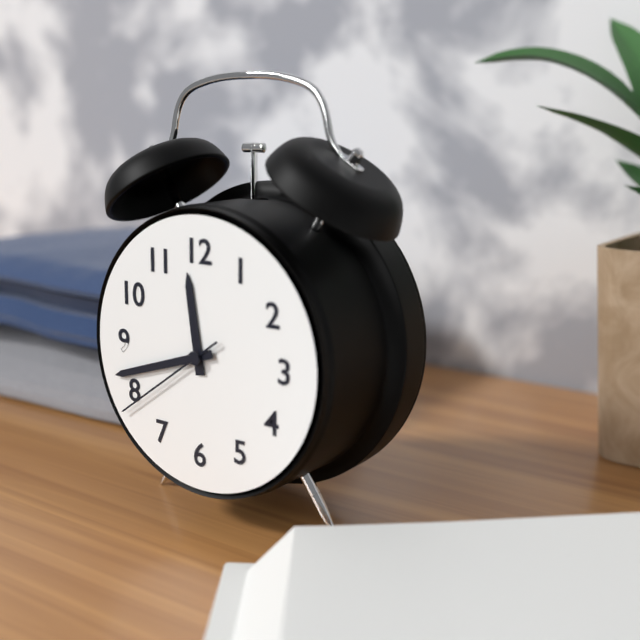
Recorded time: 11.42.39
